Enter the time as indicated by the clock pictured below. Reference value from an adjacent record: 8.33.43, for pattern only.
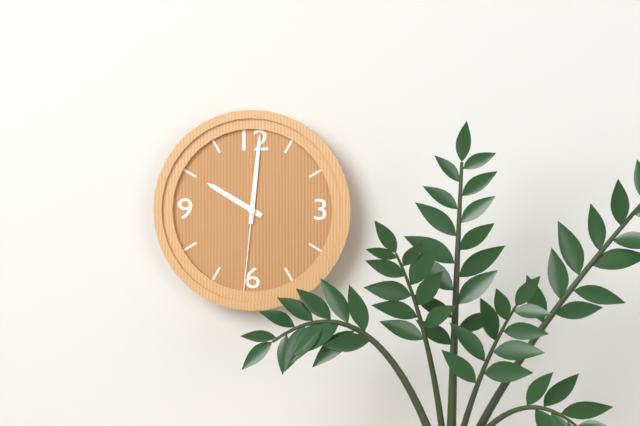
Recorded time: 10.01.31
